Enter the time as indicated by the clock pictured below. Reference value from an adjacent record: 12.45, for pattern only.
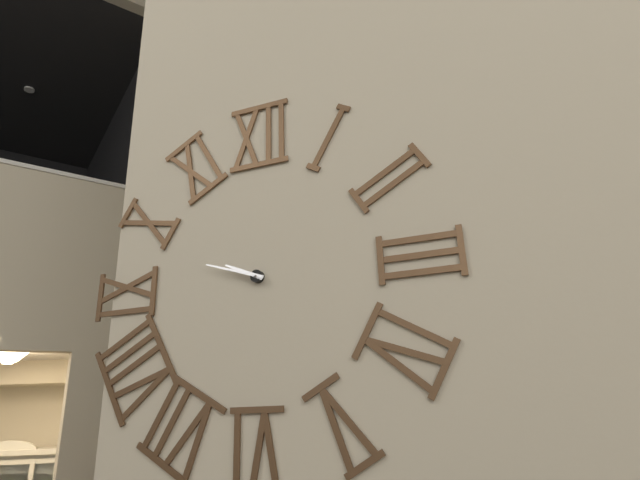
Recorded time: 9.48
